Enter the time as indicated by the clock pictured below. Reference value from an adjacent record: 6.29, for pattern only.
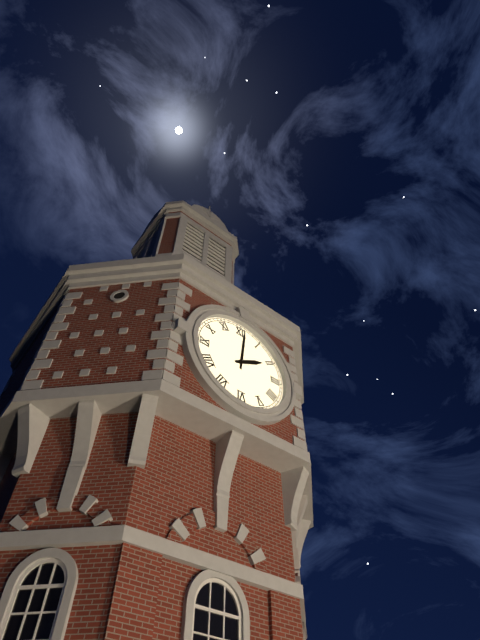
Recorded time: 2.01
